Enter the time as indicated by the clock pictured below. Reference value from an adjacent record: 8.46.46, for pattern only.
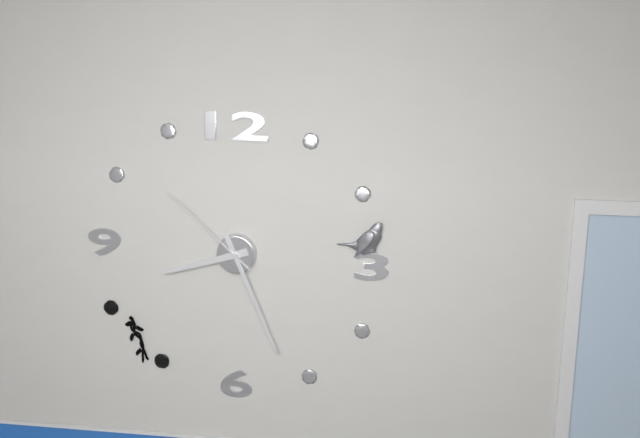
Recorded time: 8.26.52
